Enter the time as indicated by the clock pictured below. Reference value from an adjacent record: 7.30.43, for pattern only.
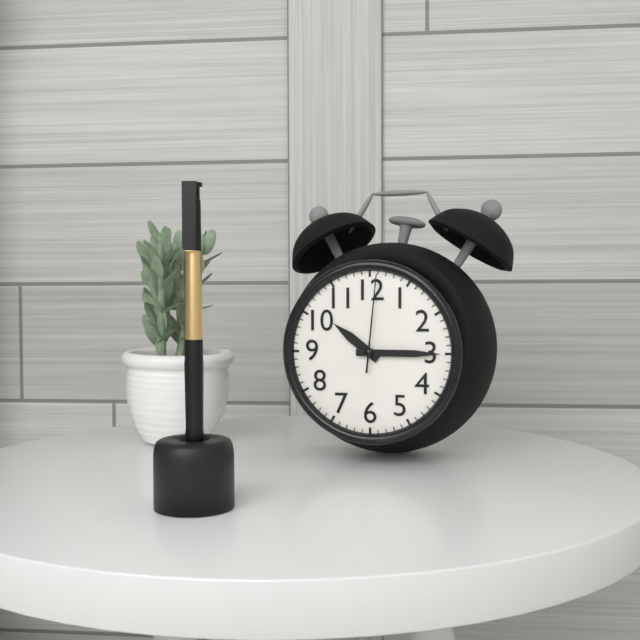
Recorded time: 10.15.01
